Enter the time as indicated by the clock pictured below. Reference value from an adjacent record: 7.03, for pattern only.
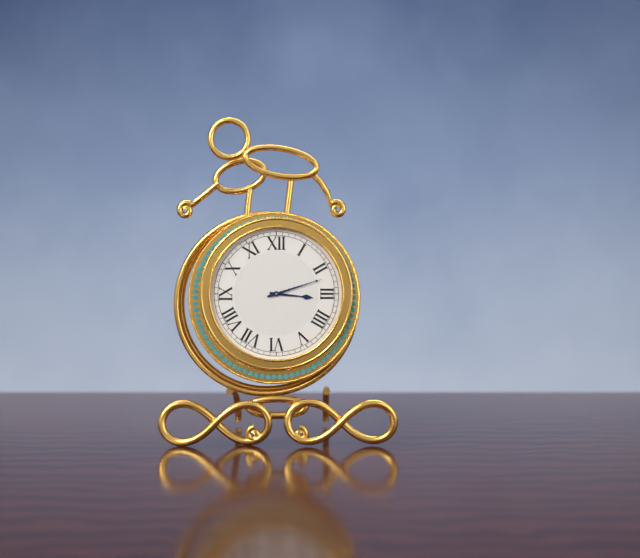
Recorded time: 3.12
